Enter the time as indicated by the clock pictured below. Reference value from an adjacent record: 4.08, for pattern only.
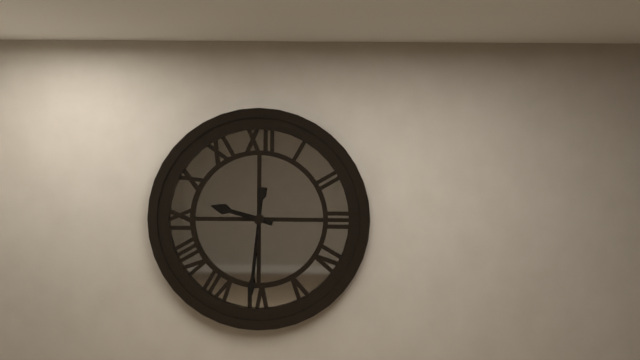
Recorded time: 9.31
